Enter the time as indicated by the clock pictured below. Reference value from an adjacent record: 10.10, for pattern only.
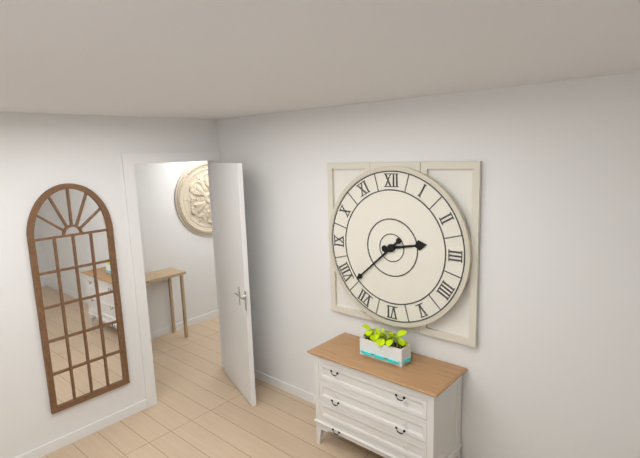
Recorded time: 2.38
